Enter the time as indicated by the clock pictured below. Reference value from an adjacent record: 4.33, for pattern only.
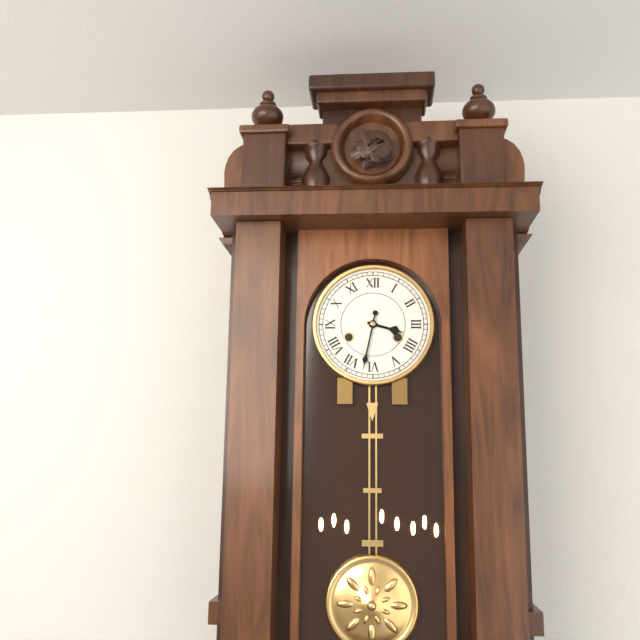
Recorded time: 3.32
